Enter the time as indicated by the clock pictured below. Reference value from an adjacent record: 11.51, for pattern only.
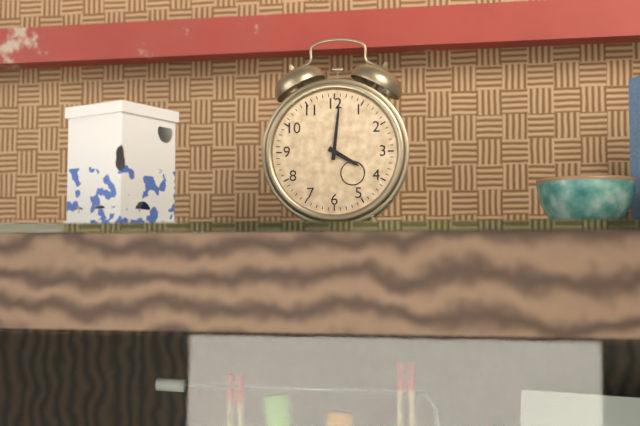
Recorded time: 4.01
